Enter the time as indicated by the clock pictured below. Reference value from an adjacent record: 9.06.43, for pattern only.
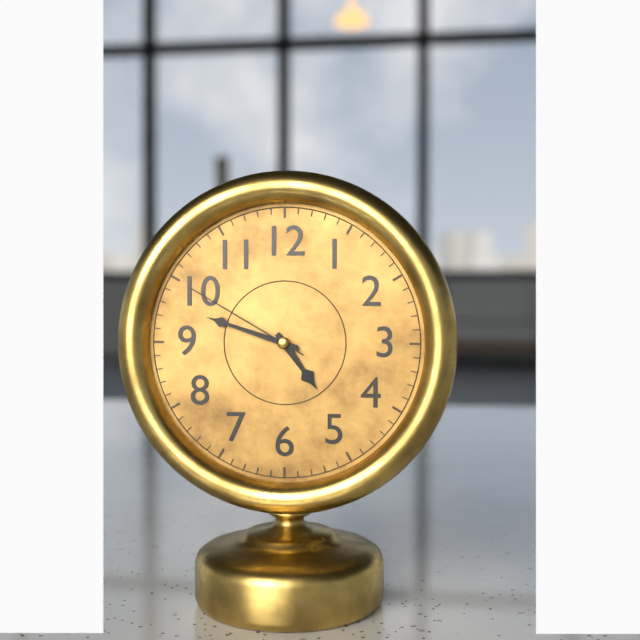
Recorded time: 4.48.50
